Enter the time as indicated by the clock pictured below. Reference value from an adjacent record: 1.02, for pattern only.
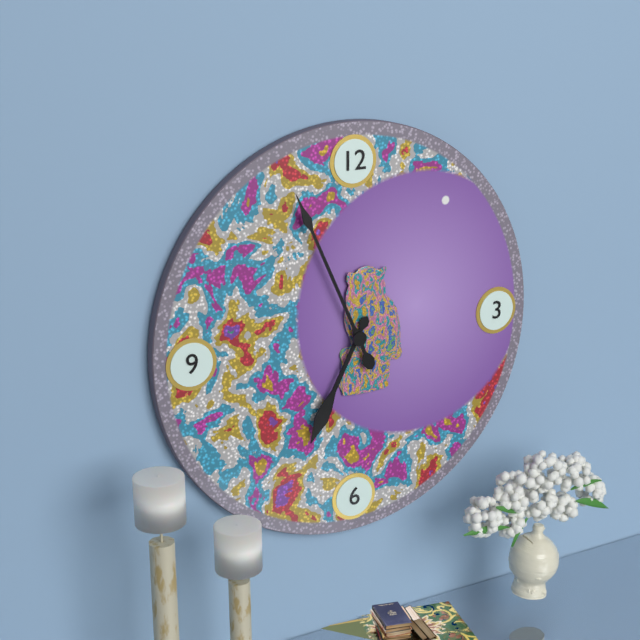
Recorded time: 6.56
